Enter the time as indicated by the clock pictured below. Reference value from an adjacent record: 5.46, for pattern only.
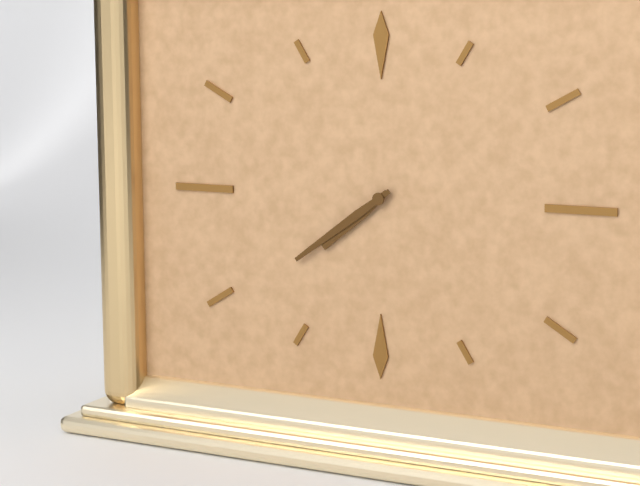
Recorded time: 7.39
